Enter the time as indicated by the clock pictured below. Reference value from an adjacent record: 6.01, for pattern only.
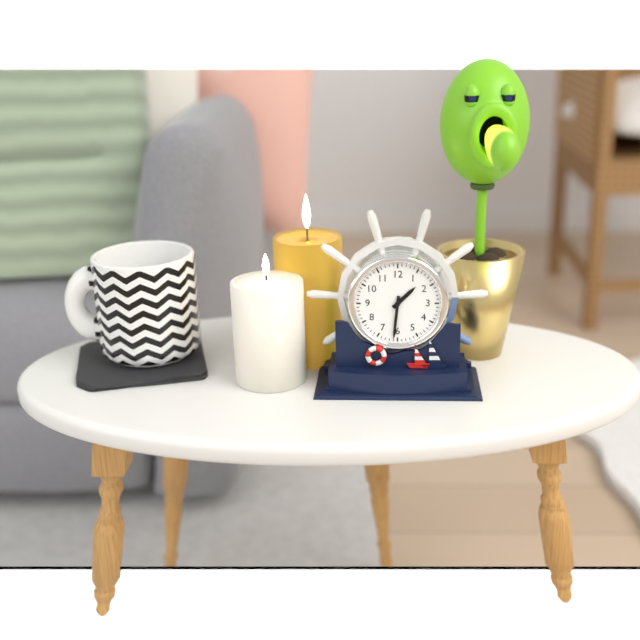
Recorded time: 1.31
